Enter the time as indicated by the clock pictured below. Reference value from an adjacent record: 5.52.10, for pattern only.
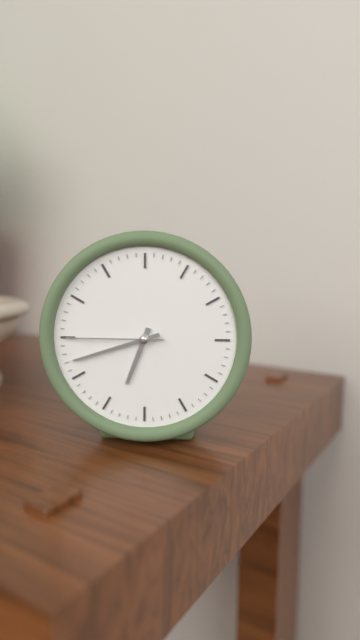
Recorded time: 6.42.45
